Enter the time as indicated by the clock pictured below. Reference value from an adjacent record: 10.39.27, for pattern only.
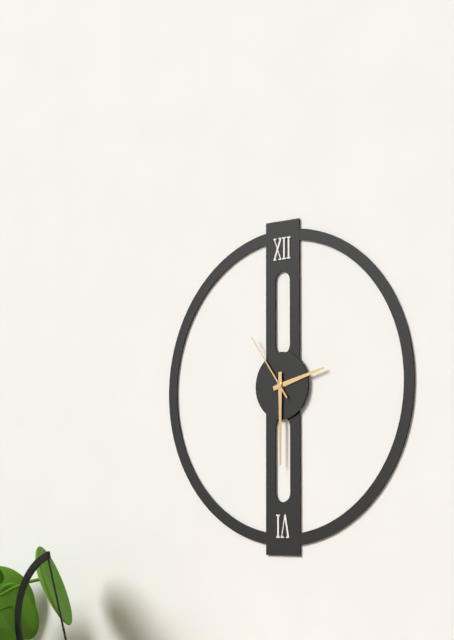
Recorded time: 2.30.54
